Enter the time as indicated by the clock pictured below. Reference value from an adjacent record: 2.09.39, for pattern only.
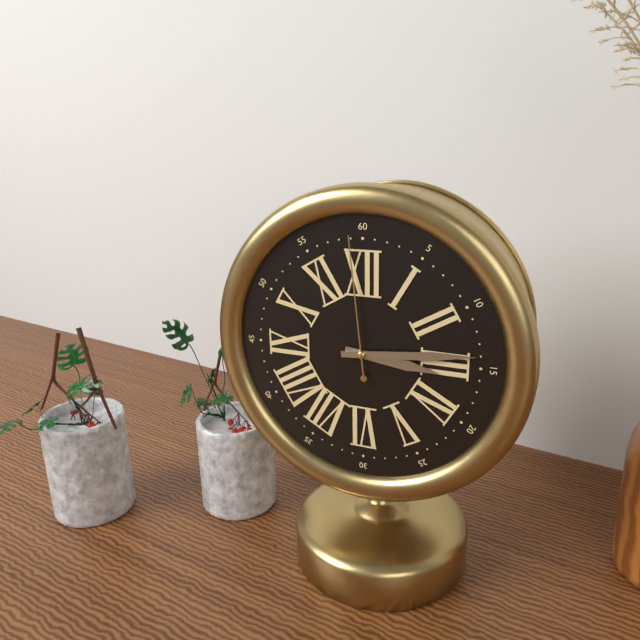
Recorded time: 3.14.59
